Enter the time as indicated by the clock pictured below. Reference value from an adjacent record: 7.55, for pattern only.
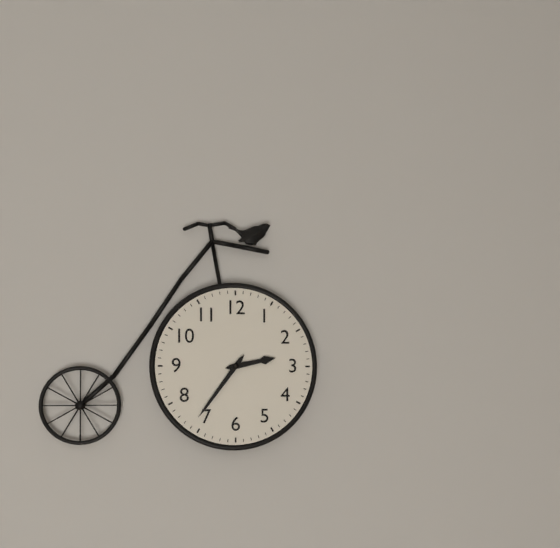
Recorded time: 2.36
